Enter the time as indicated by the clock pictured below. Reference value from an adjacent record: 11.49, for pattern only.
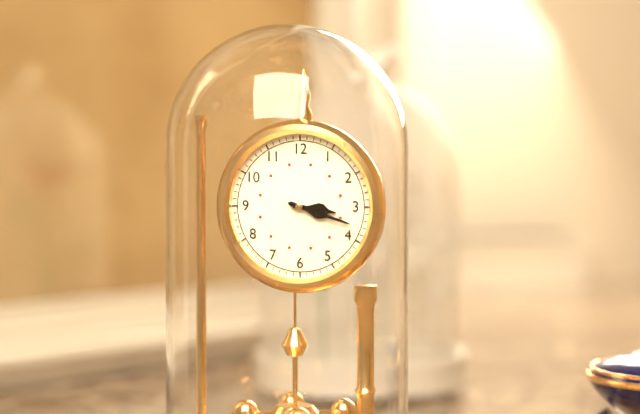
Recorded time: 3.18
